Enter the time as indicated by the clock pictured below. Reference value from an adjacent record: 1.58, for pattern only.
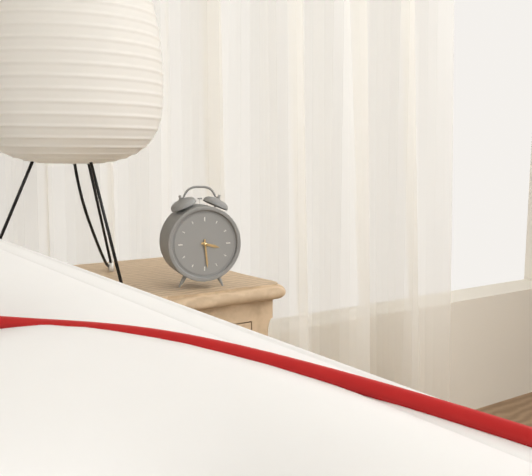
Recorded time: 3.29
